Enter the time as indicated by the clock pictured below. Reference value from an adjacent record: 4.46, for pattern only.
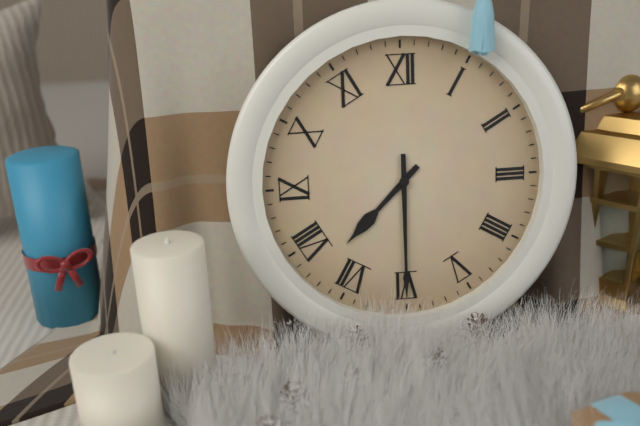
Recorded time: 7.30
